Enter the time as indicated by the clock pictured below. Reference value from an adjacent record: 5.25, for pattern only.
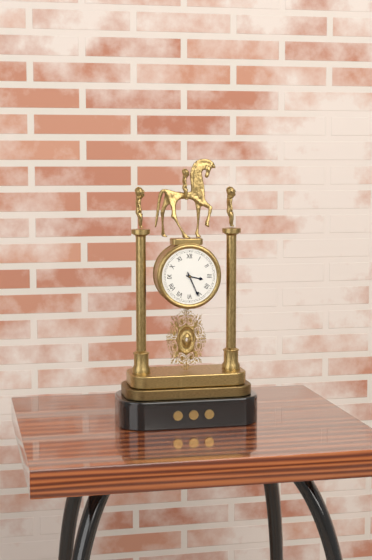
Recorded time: 3.26
